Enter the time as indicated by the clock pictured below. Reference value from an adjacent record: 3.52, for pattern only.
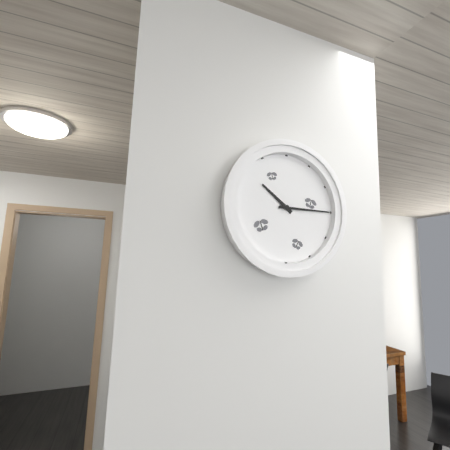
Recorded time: 10.15
